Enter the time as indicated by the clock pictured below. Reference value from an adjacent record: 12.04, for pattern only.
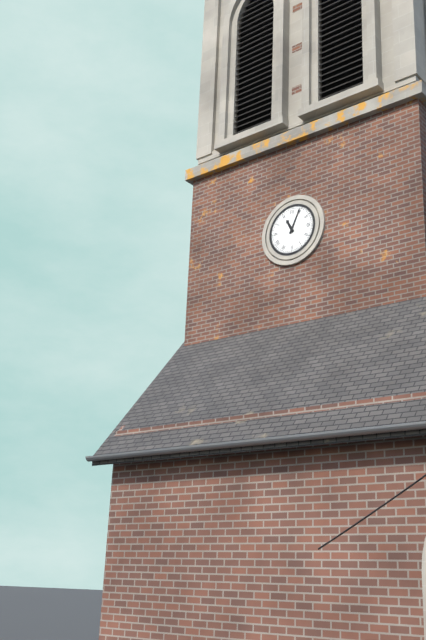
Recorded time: 11.04
